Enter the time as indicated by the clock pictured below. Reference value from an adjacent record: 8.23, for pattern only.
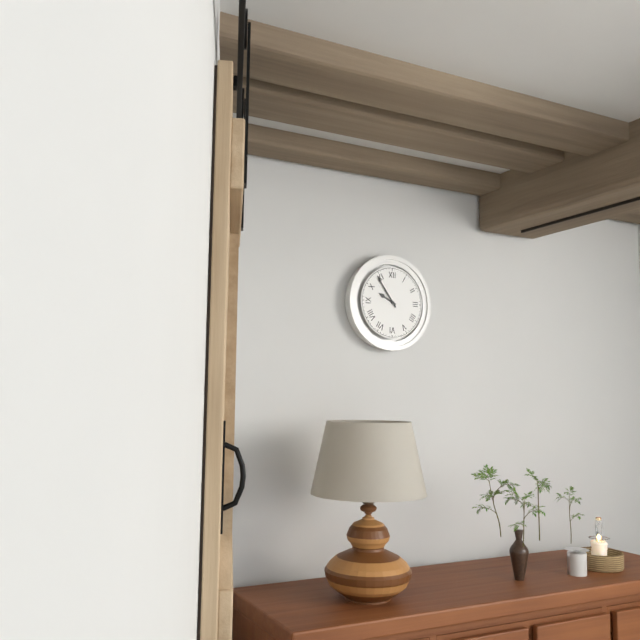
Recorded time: 9.54
